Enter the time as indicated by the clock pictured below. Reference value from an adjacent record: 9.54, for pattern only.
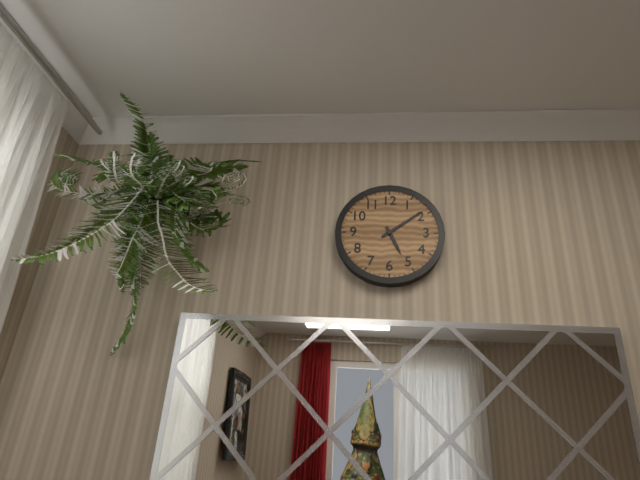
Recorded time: 5.09
